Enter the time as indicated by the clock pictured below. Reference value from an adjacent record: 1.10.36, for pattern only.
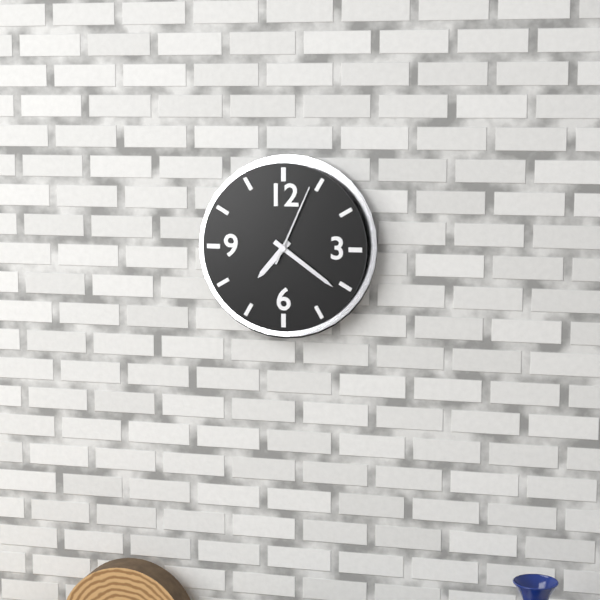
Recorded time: 7.21.04
